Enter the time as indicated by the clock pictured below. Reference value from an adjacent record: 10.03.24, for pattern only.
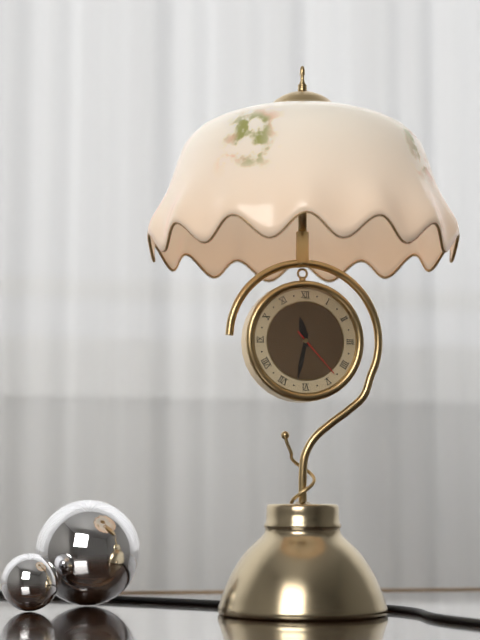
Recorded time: 11.32.23
